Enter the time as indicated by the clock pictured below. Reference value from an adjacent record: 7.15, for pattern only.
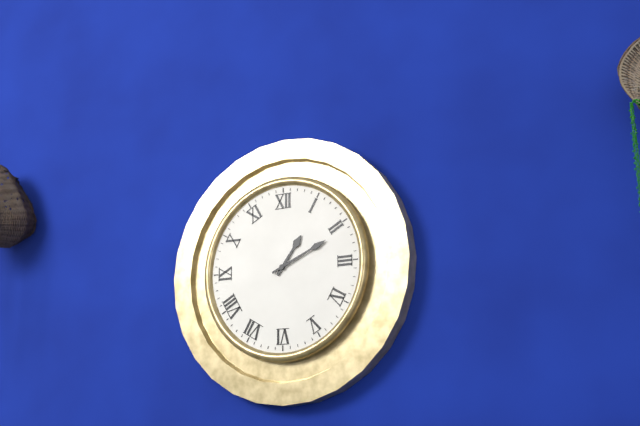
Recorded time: 1.11
